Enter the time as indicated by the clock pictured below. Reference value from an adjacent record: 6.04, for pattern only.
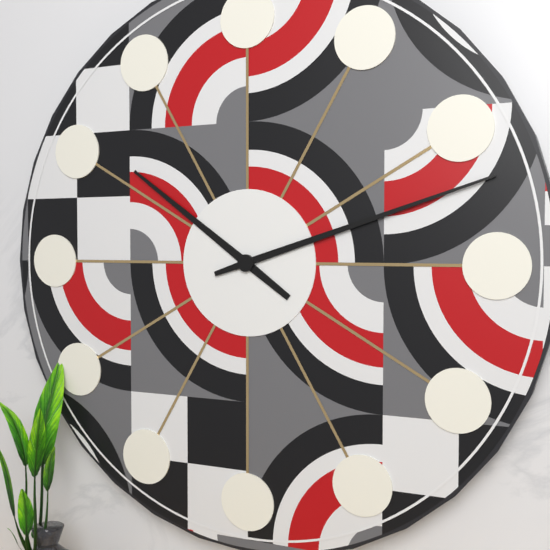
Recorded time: 10.12
